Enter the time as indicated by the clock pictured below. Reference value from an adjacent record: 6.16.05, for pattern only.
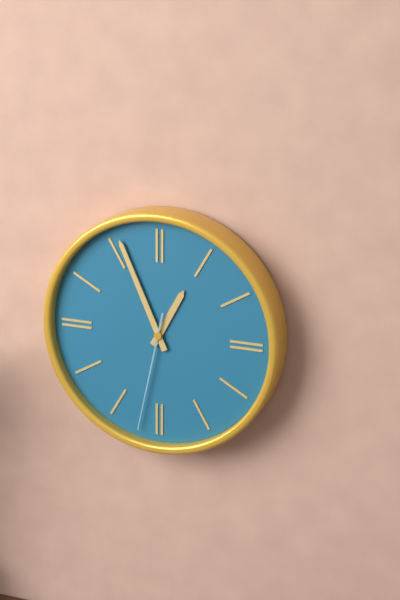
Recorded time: 12.56.32
